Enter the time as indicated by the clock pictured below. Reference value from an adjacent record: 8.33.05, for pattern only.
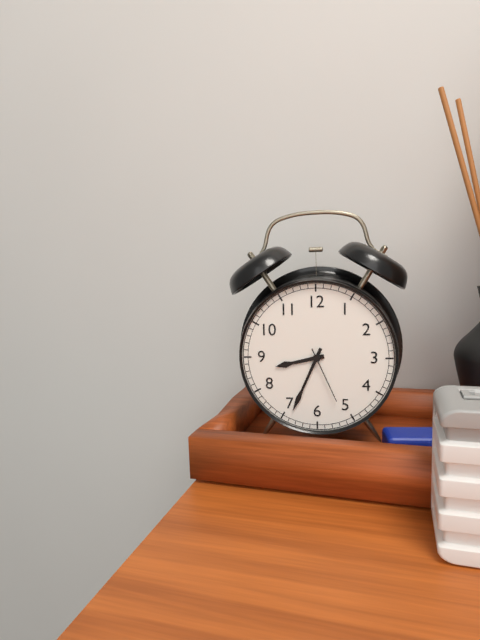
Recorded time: 8.34.26
